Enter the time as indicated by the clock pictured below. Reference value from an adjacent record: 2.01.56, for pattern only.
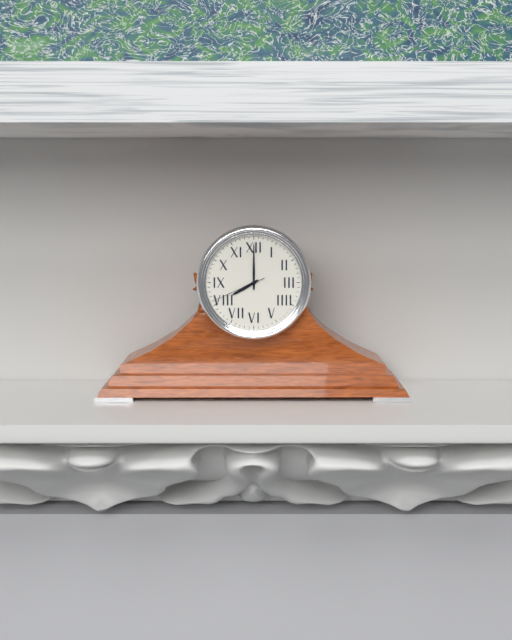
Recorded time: 8.00.41
